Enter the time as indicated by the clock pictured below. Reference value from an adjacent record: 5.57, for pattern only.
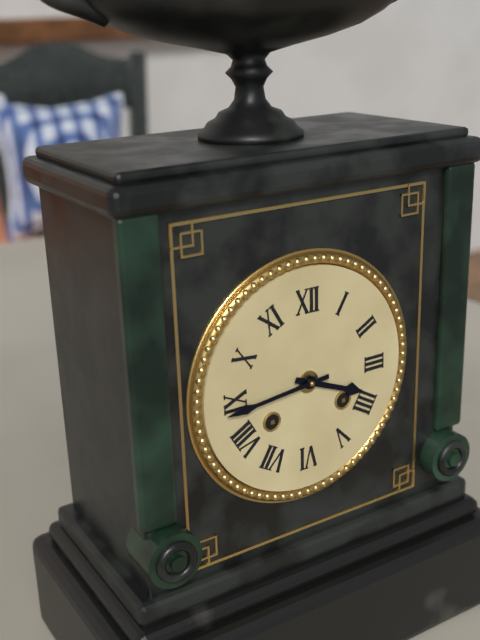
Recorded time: 3.44
